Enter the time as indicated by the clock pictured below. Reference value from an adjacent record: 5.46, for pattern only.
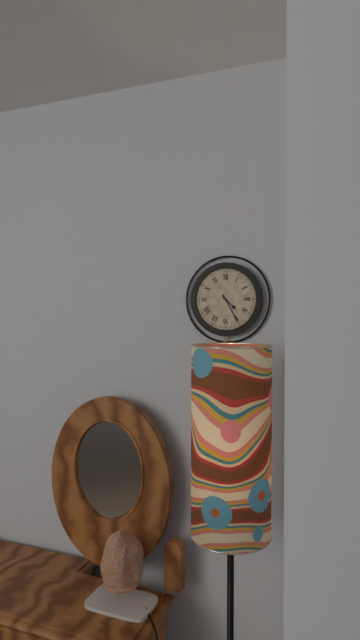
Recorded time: 4.25
